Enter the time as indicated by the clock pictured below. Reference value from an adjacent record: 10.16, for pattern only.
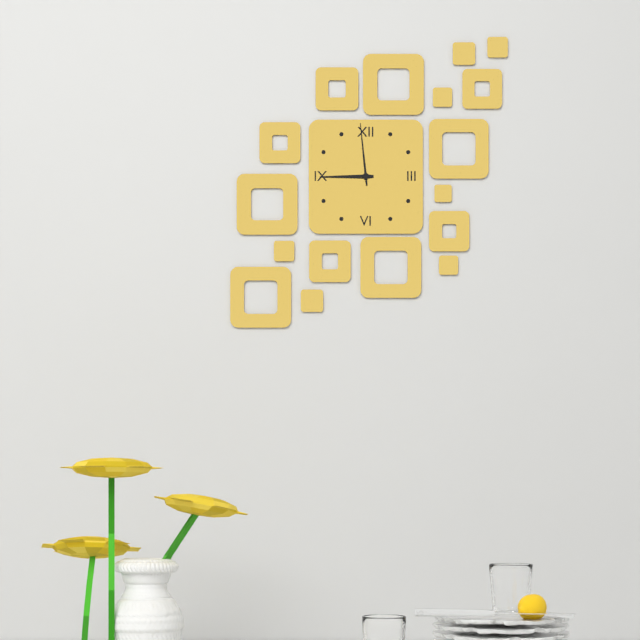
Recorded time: 8.59
